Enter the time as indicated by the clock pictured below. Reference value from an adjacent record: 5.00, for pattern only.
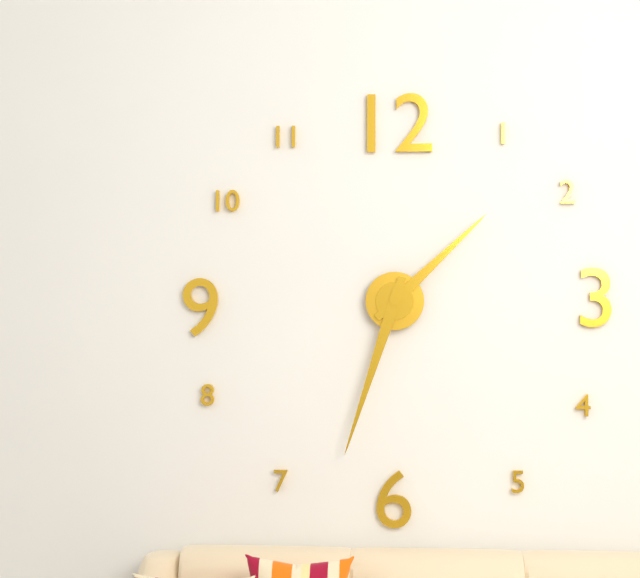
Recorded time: 1.33
